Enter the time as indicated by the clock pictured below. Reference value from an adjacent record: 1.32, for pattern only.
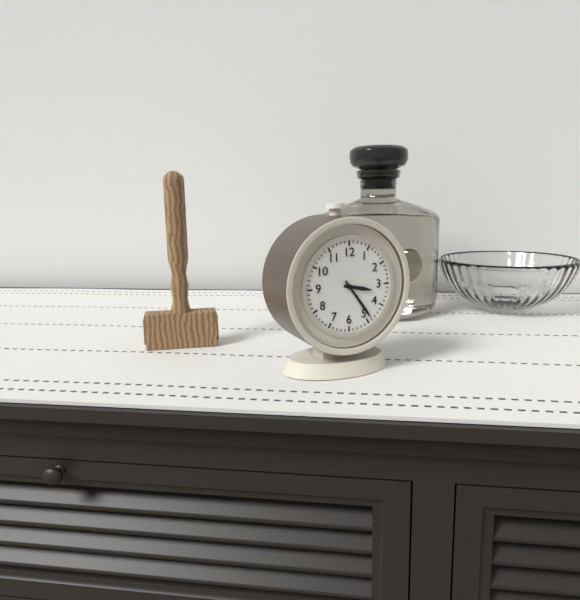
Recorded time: 3.24
